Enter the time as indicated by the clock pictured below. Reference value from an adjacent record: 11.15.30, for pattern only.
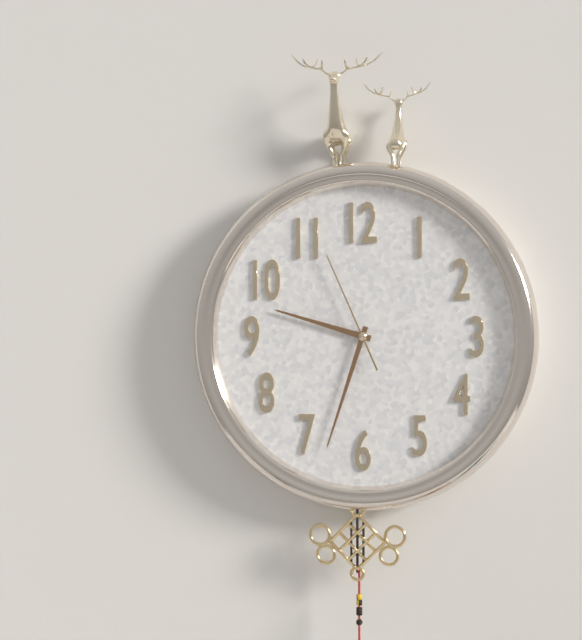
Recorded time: 9.33.56
